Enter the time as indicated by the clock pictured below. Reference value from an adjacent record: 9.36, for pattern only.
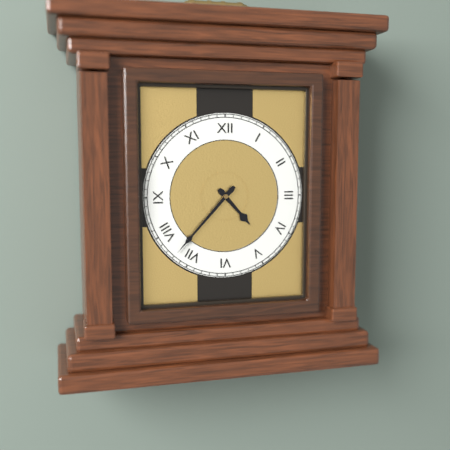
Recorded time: 4.37
